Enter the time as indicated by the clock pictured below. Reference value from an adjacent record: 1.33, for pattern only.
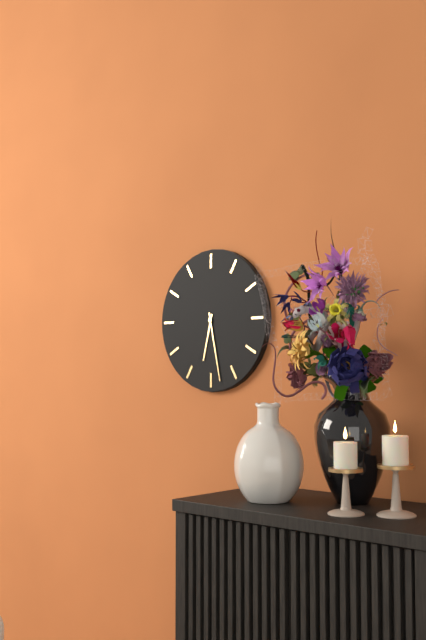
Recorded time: 6.28
